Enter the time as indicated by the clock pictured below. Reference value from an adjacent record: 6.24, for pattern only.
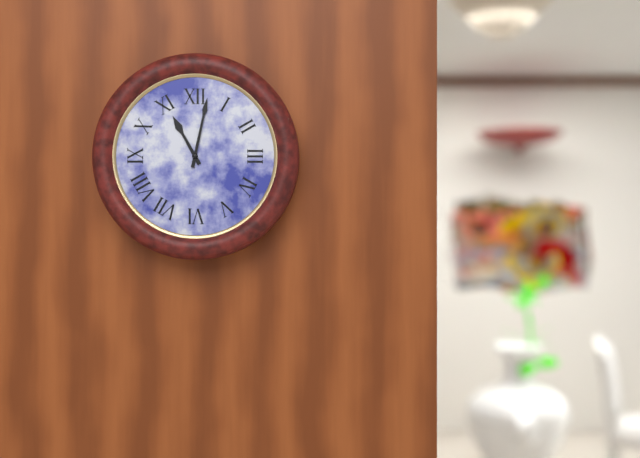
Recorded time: 11.02
